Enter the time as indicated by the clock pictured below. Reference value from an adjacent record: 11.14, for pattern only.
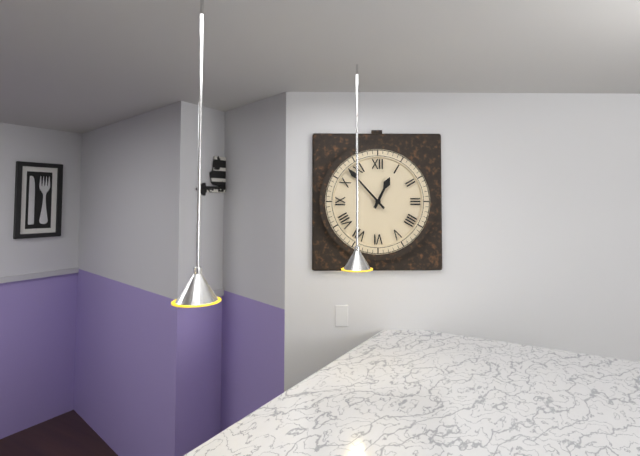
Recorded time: 12.53
